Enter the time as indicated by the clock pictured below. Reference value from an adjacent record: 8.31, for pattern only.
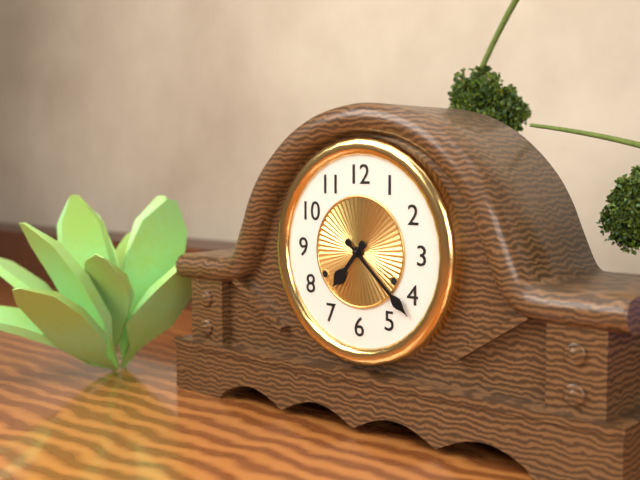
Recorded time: 7.22
